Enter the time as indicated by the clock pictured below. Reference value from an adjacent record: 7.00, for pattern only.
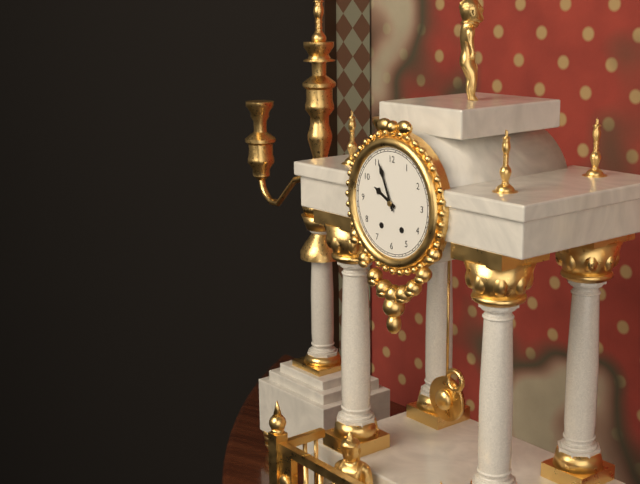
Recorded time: 9.56
